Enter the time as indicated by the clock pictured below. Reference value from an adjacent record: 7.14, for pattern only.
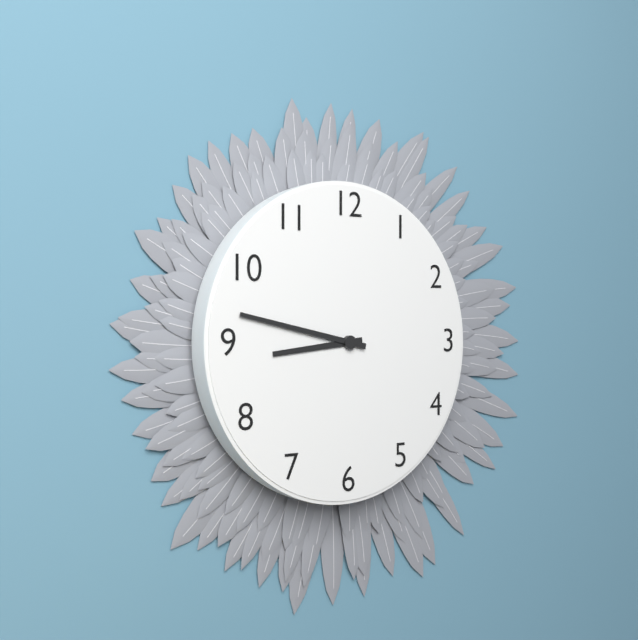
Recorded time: 8.47
